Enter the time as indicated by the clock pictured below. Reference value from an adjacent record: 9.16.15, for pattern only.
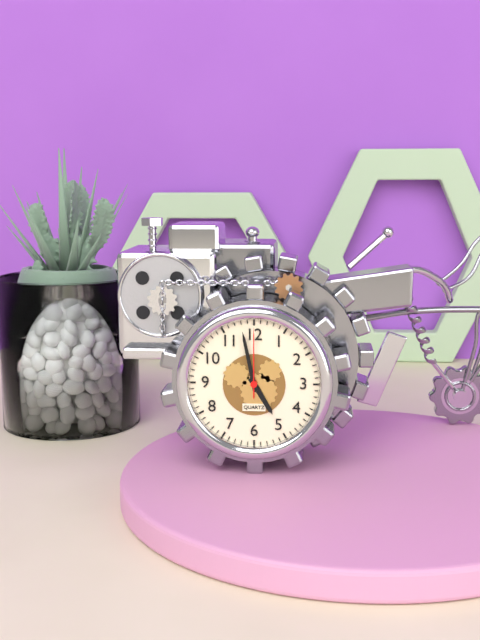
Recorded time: 4.58.00
